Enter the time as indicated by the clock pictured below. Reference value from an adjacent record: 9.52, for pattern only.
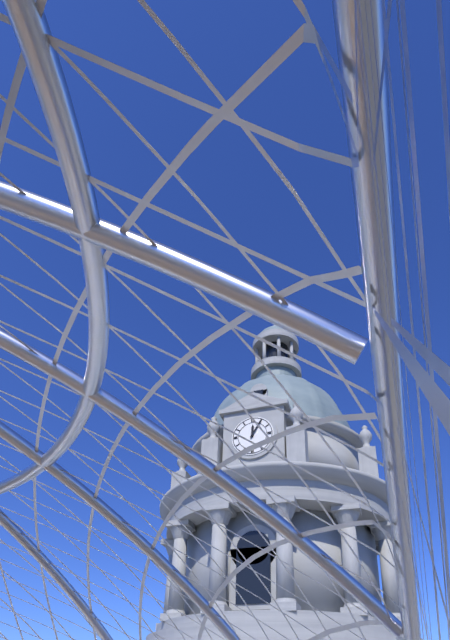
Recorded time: 12.05
